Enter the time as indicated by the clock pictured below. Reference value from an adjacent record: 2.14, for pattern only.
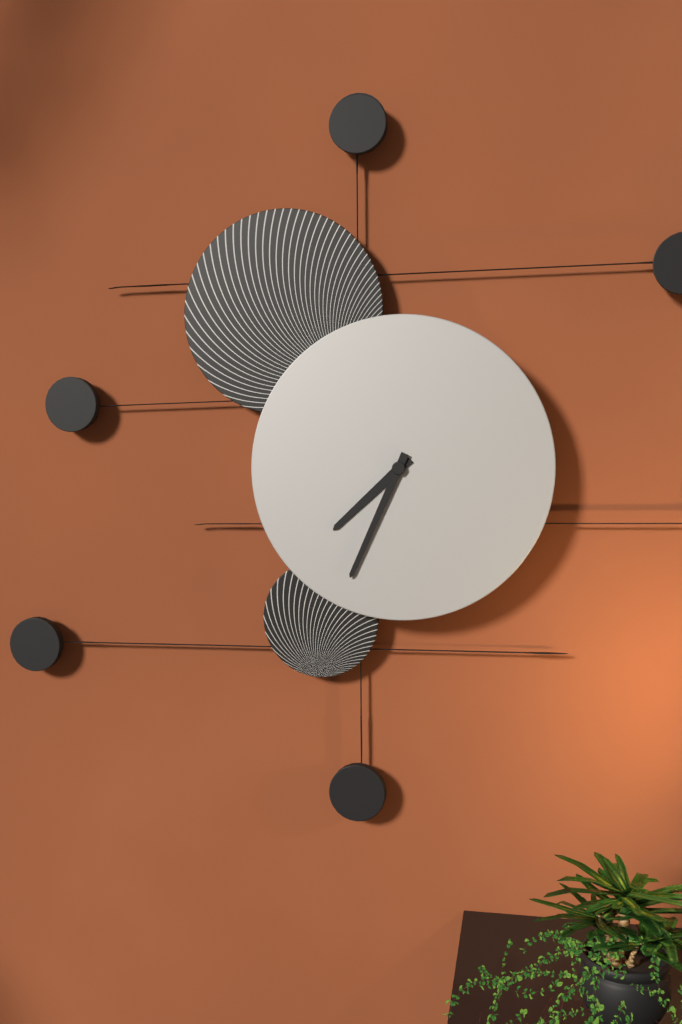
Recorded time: 7.34
